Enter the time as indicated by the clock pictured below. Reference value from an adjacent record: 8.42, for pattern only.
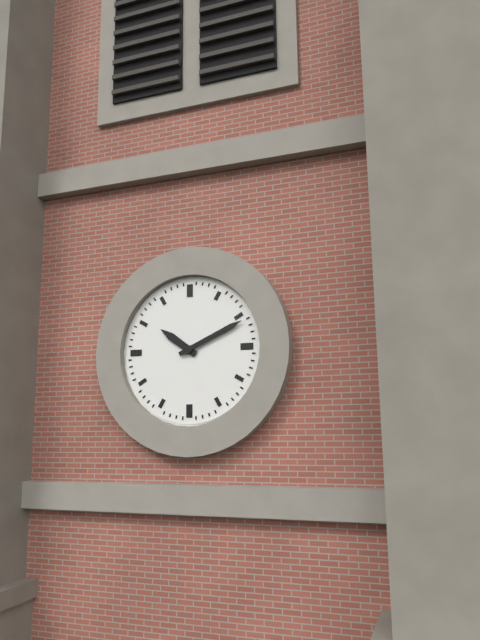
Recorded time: 10.11
